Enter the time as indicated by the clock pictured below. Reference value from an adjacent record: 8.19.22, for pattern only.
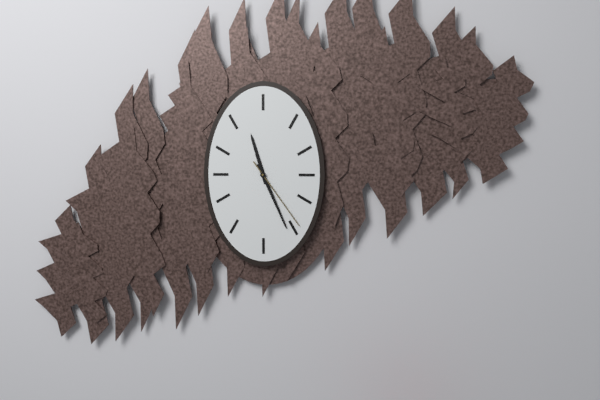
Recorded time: 11.26.24
